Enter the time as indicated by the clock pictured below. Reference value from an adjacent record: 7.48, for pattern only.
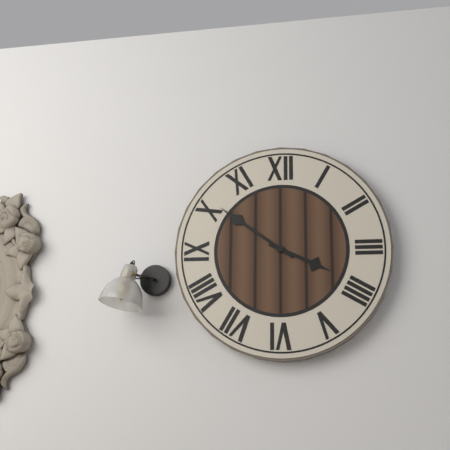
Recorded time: 3.51
